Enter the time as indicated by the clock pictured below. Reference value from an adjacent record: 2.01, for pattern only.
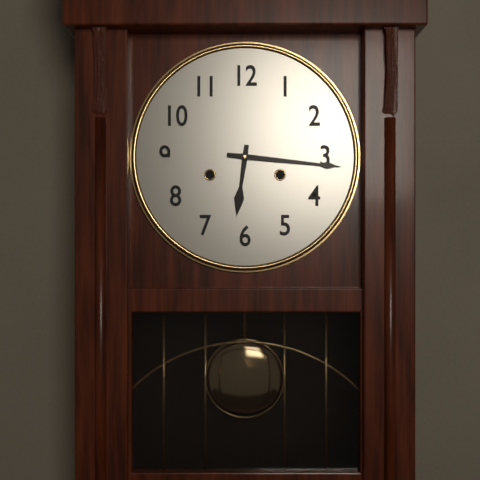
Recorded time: 6.16
